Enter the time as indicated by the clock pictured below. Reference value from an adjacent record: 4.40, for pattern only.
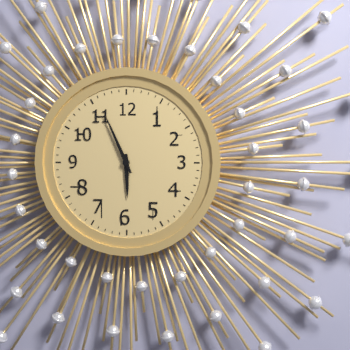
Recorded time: 5.56
